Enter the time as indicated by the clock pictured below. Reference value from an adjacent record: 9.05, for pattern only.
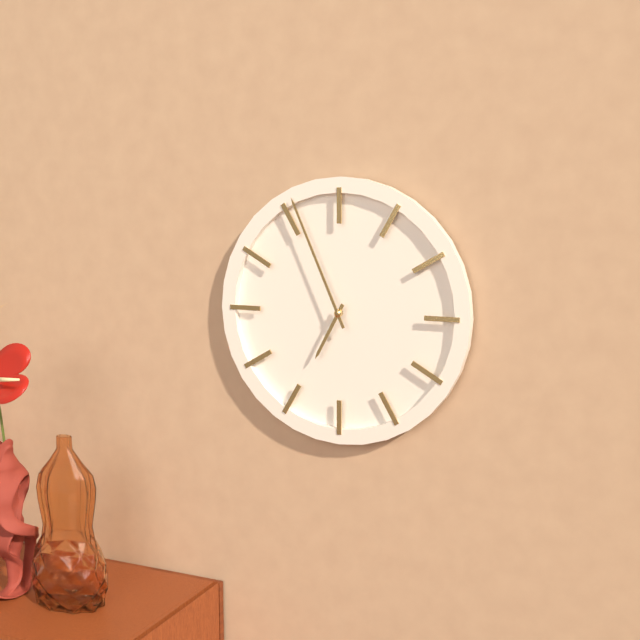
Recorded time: 6.56
